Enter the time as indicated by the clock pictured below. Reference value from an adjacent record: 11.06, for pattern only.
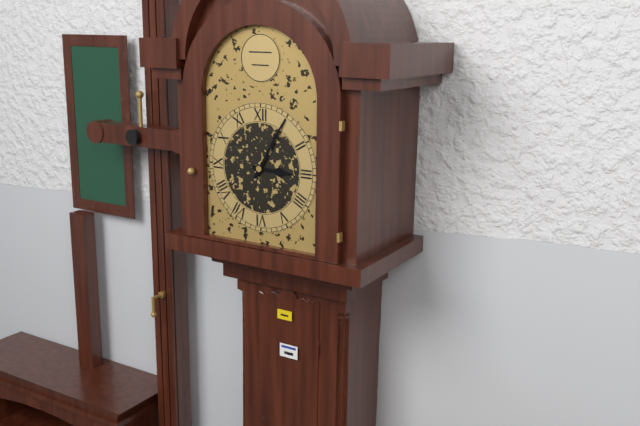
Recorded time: 3.05
